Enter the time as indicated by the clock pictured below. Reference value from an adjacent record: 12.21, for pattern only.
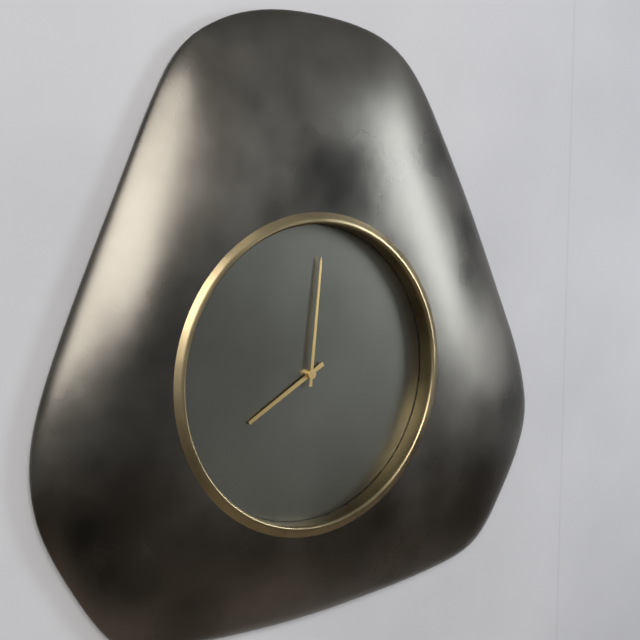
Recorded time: 8.01
